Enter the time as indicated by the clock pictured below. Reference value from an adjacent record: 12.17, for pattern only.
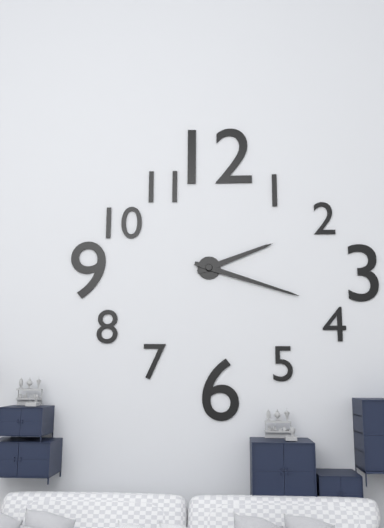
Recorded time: 2.18
